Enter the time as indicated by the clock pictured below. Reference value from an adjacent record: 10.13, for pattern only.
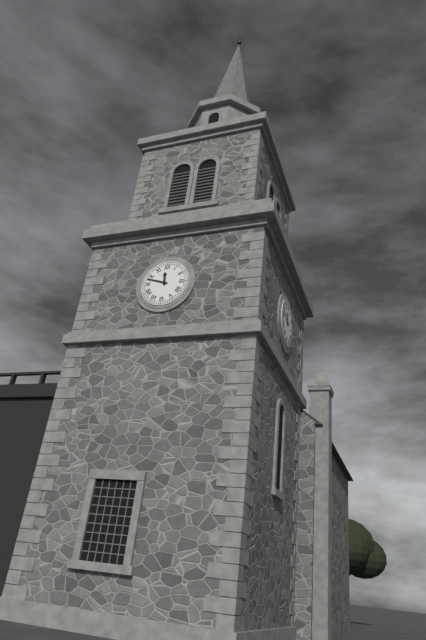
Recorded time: 11.48
